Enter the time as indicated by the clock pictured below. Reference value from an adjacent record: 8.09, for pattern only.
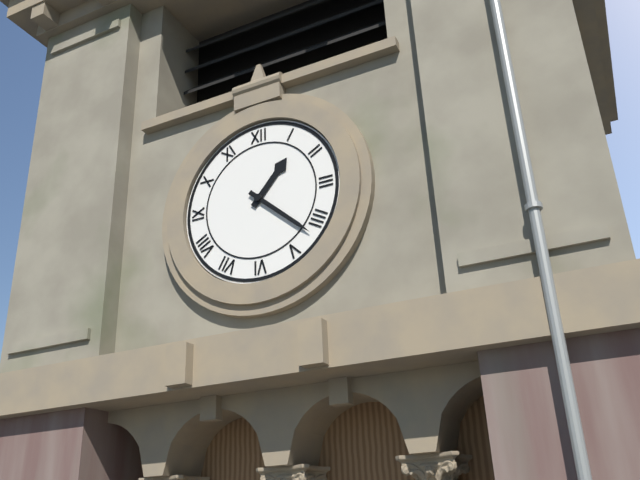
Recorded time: 1.22
